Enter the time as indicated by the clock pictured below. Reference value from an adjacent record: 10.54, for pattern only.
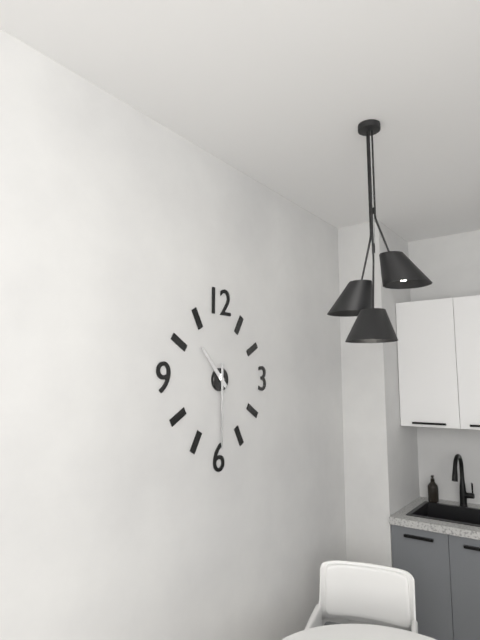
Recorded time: 10.30
